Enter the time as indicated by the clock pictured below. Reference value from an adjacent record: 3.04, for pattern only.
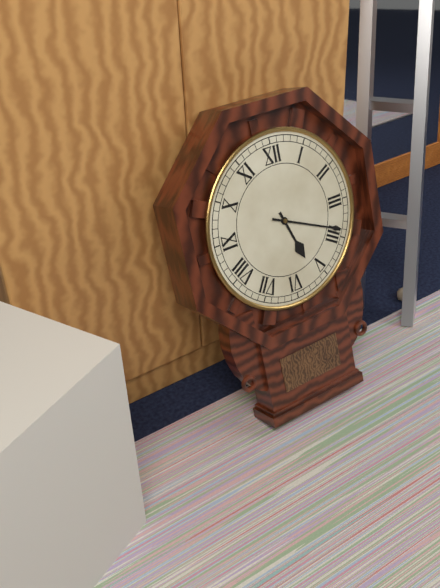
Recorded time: 5.19
